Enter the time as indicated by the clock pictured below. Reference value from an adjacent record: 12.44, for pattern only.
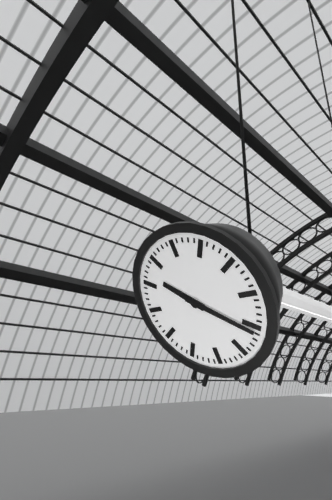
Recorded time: 10.21
